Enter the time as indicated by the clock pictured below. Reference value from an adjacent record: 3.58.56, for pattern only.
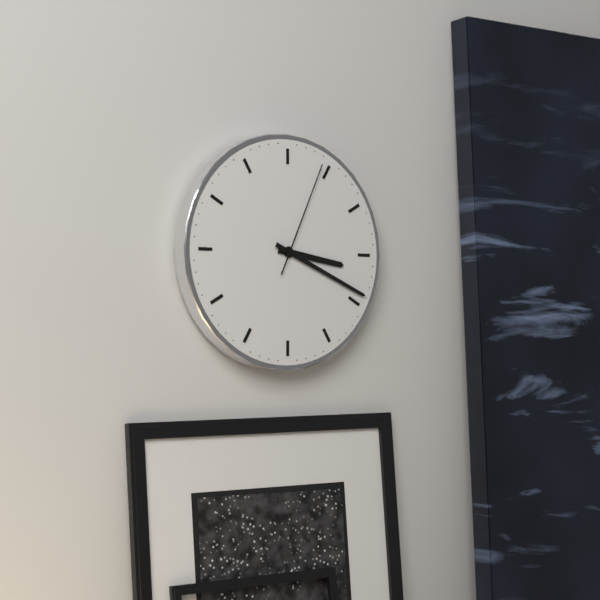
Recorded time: 3.19.04
